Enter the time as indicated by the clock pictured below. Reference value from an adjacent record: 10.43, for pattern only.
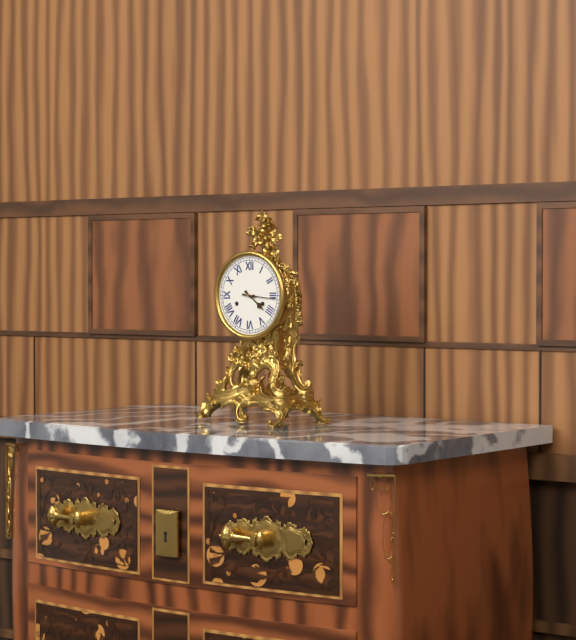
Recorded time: 4.16
